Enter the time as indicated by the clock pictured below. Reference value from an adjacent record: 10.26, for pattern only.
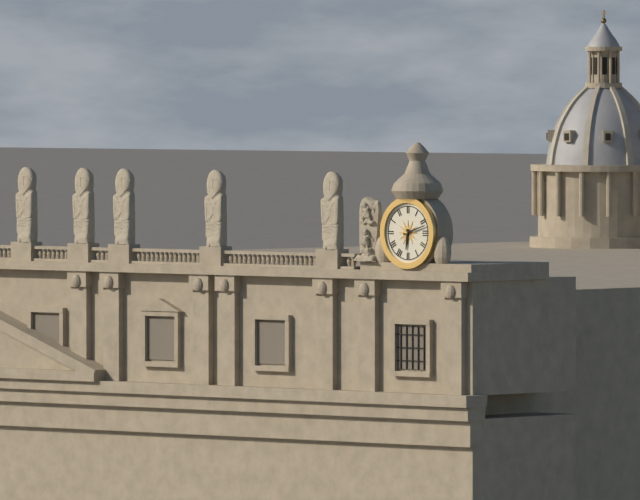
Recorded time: 6.12
